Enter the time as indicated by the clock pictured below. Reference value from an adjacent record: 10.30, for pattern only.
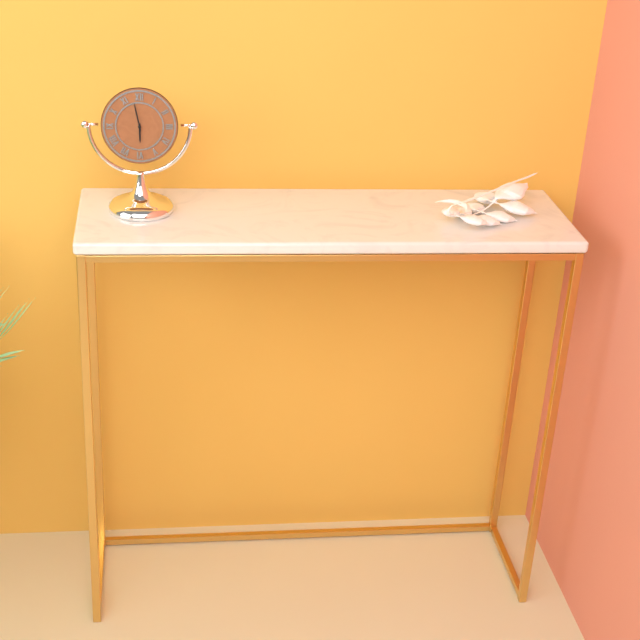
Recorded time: 5.58
